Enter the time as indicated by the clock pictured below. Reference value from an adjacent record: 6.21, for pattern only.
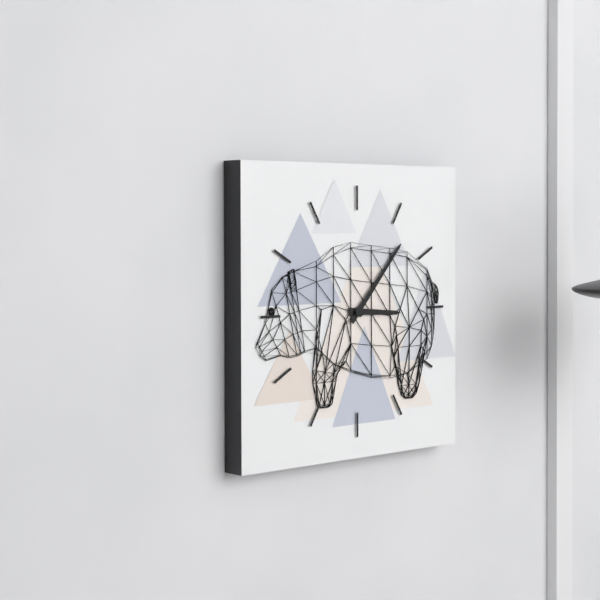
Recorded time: 3.07
